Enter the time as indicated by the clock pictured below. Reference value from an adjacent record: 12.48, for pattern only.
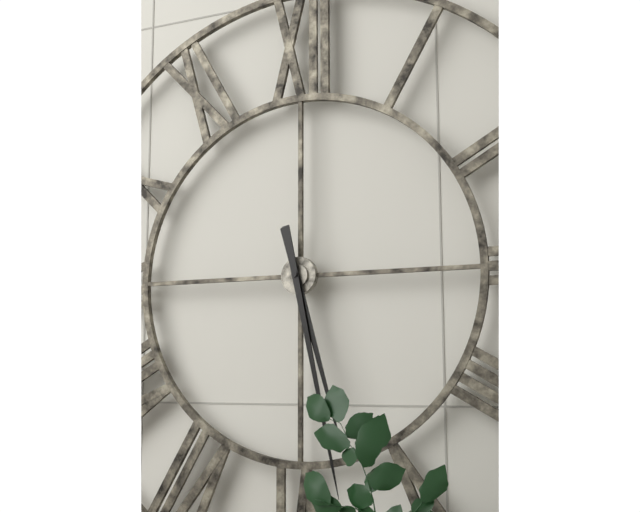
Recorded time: 5.28
